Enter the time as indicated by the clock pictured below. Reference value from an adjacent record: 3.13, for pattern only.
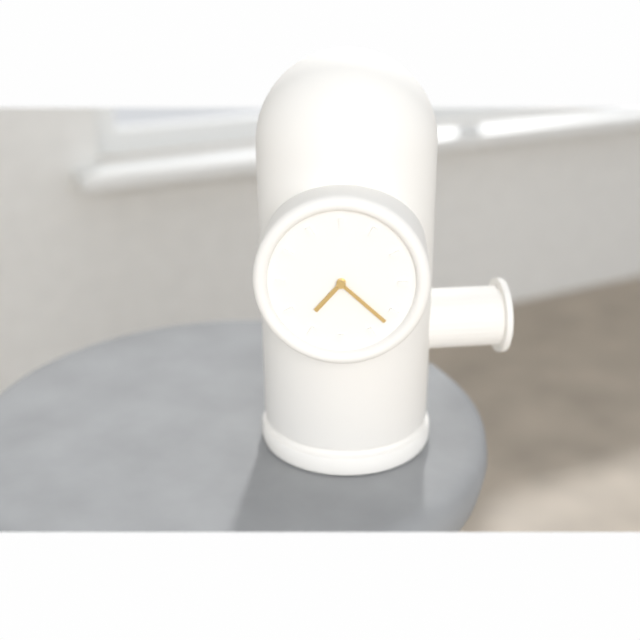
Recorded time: 7.22
